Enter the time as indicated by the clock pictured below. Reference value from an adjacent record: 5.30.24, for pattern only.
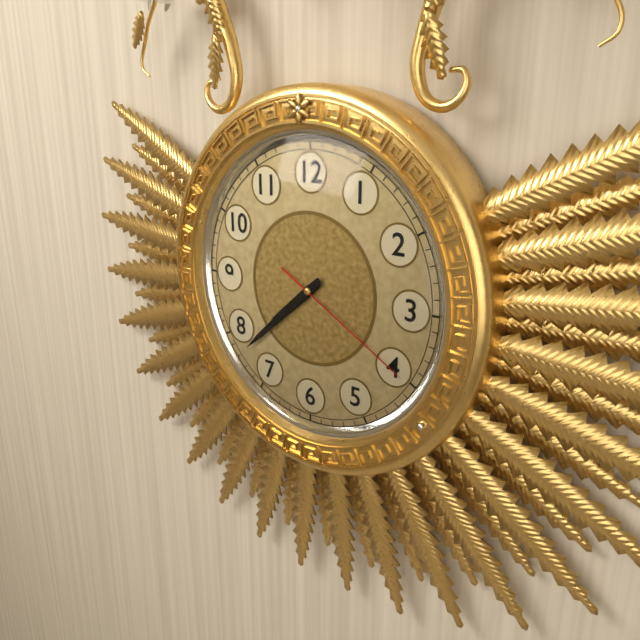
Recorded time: 7.38.20
